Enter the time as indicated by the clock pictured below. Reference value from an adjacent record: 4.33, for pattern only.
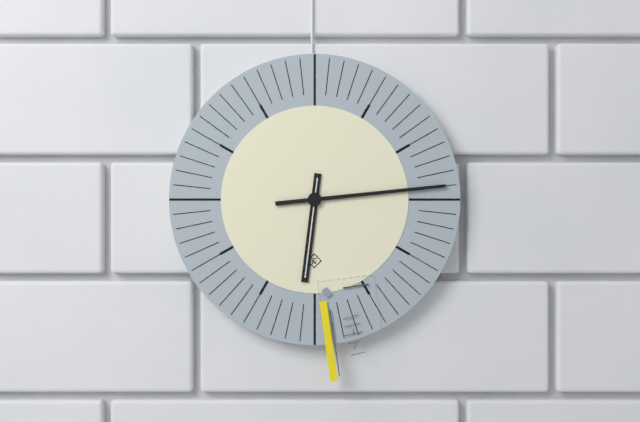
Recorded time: 6.14
